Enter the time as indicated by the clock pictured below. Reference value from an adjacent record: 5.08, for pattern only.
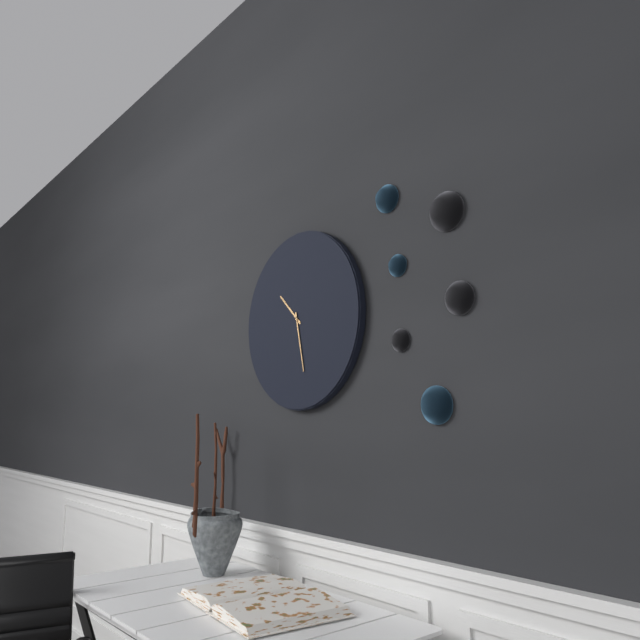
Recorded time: 10.28
